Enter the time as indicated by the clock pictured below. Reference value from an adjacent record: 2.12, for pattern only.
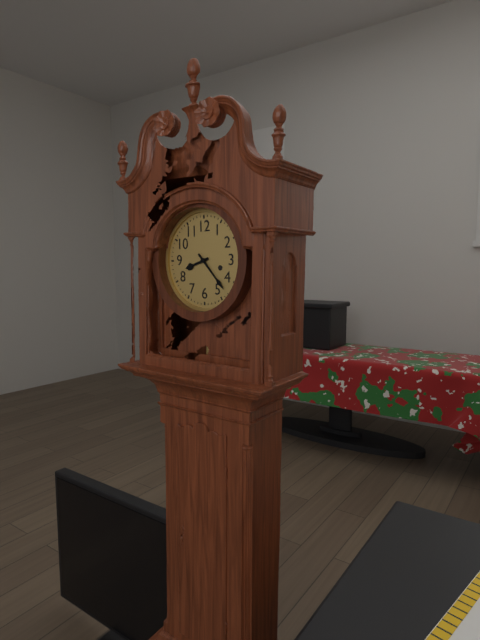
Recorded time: 8.23
